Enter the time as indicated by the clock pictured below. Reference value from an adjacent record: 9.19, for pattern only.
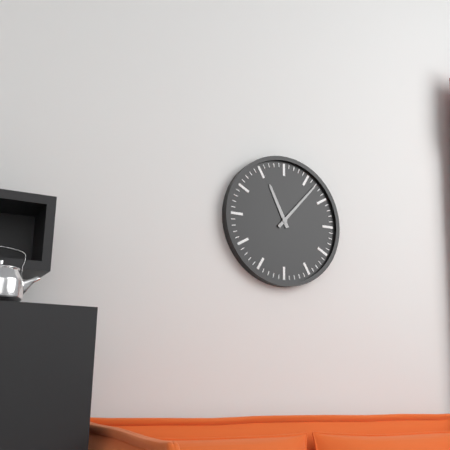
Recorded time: 11.07
